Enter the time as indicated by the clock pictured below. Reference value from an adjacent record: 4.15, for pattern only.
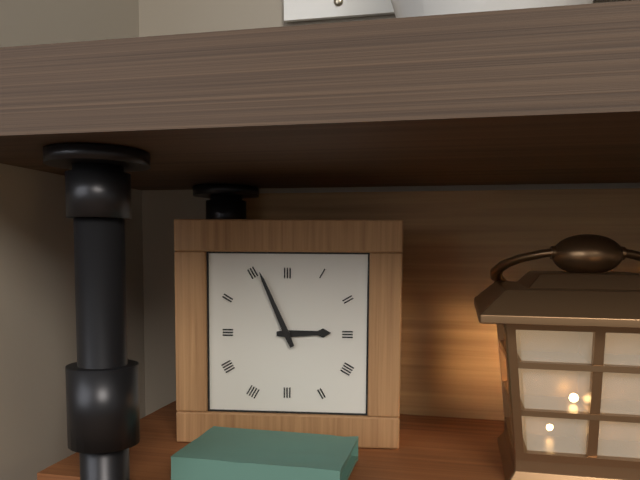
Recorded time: 2.56
